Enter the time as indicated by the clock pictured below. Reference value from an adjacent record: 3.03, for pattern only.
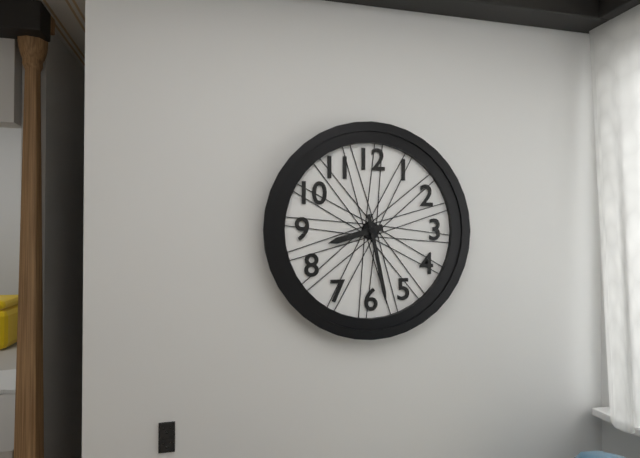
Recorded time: 8.28
